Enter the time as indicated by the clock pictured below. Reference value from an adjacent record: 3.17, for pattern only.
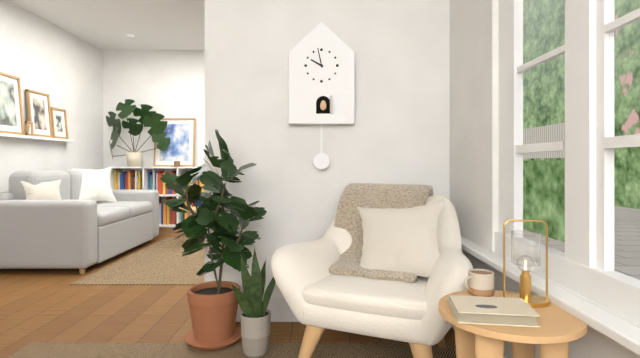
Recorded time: 9.58
